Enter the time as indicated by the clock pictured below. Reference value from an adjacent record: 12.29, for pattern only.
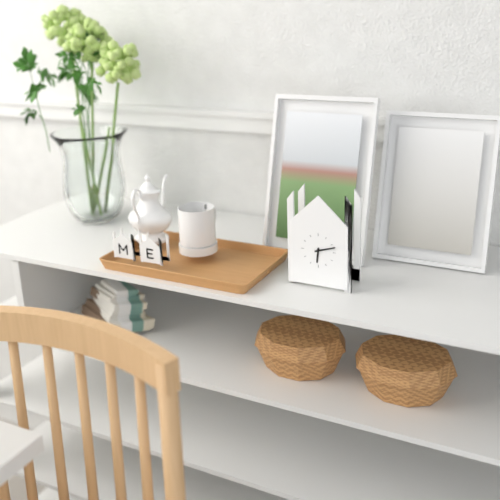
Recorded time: 6.12
